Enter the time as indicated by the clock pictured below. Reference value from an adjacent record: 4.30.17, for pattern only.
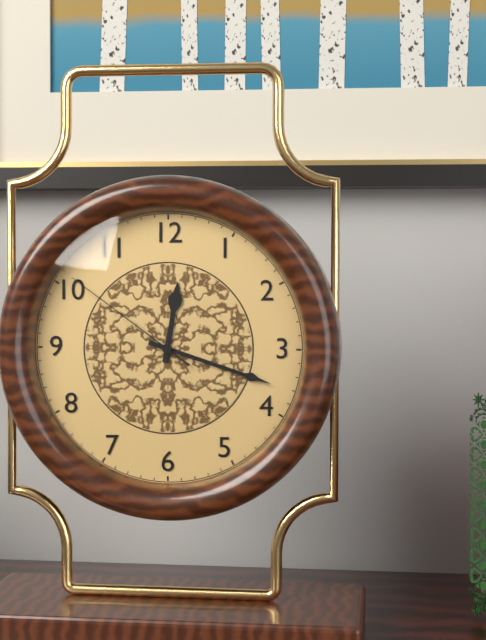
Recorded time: 12.18.51
